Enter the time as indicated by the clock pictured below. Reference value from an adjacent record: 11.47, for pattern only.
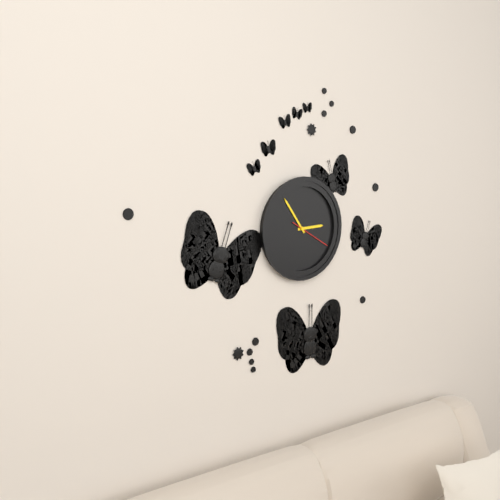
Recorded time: 2.54
